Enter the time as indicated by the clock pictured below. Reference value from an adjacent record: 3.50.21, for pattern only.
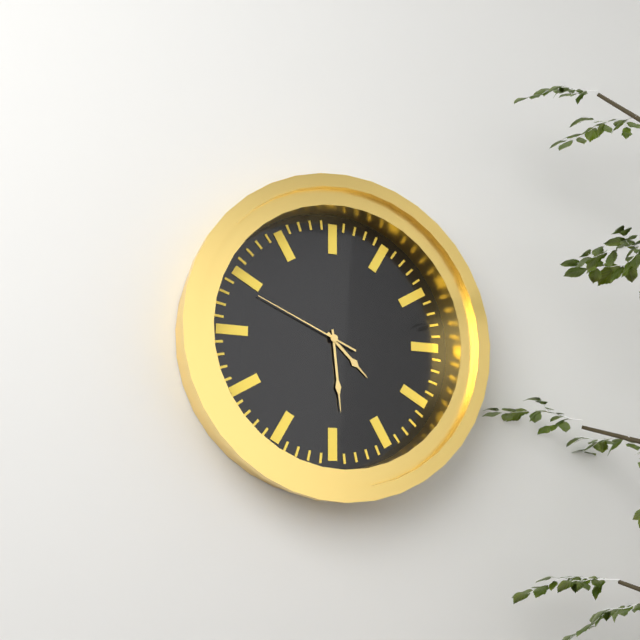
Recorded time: 4.29.49
